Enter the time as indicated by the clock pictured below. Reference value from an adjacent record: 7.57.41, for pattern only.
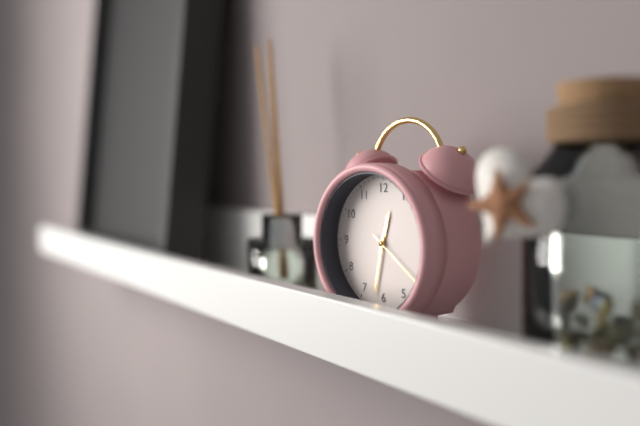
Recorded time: 12.32.21
